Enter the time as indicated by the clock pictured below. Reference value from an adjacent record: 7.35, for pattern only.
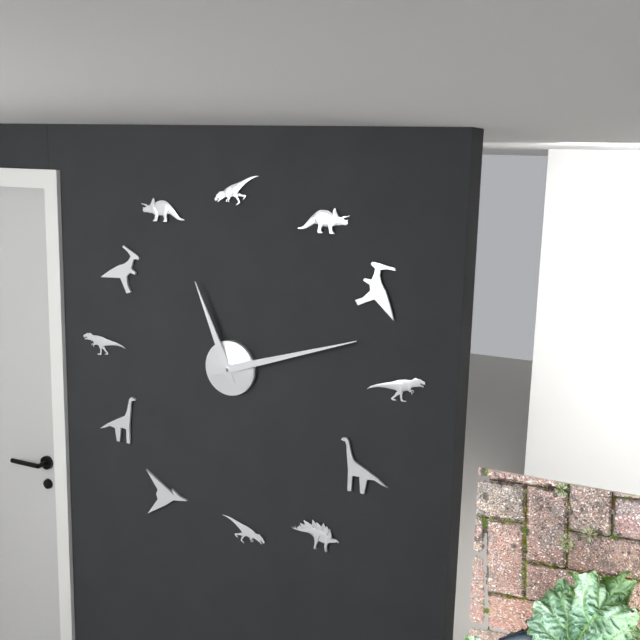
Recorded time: 11.12
